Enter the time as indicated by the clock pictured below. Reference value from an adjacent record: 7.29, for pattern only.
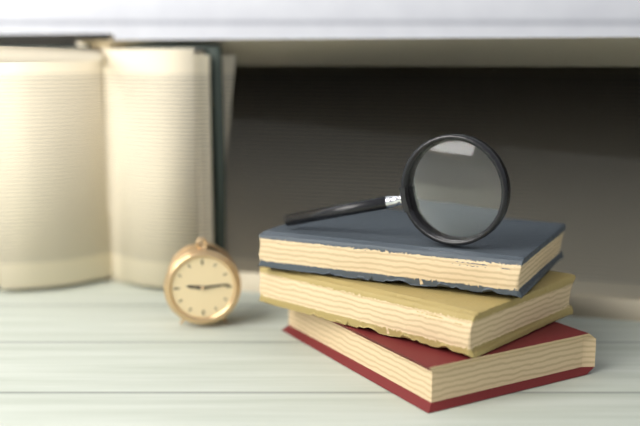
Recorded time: 9.14
